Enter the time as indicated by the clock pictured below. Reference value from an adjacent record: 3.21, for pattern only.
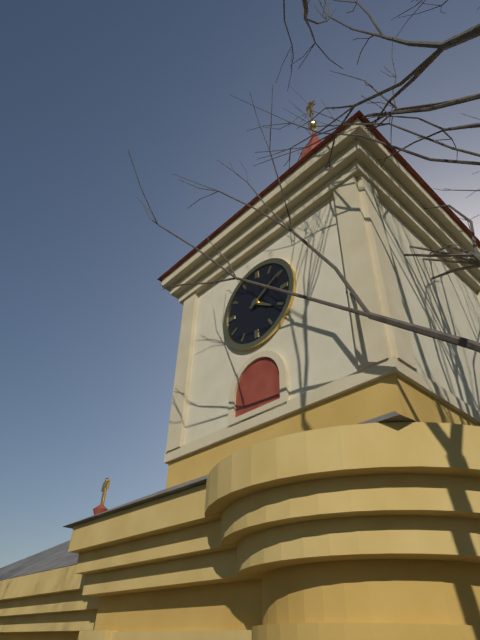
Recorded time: 4.10
